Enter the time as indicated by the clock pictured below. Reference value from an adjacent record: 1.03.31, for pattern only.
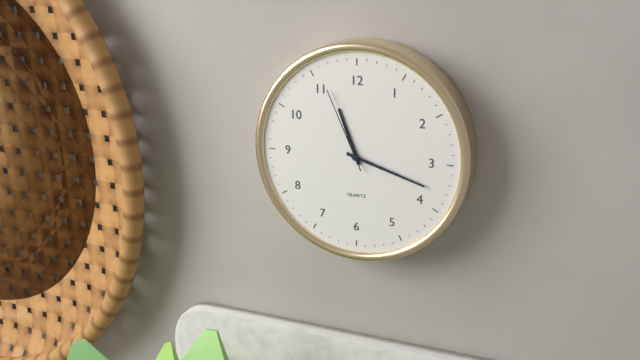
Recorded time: 11.18.56
